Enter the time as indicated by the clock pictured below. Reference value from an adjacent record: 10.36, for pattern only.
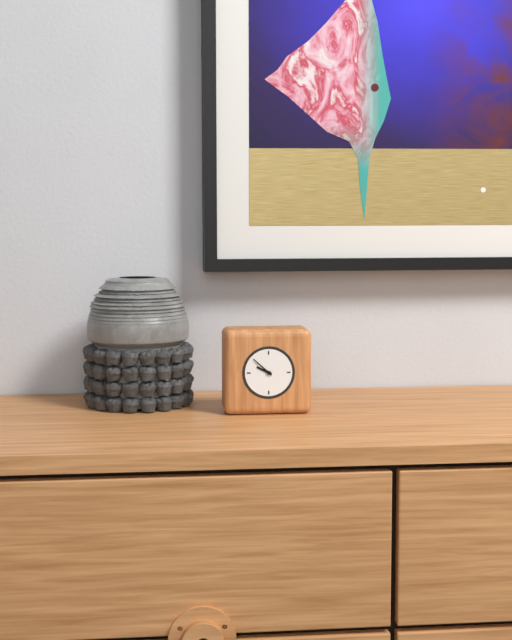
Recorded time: 9.52
